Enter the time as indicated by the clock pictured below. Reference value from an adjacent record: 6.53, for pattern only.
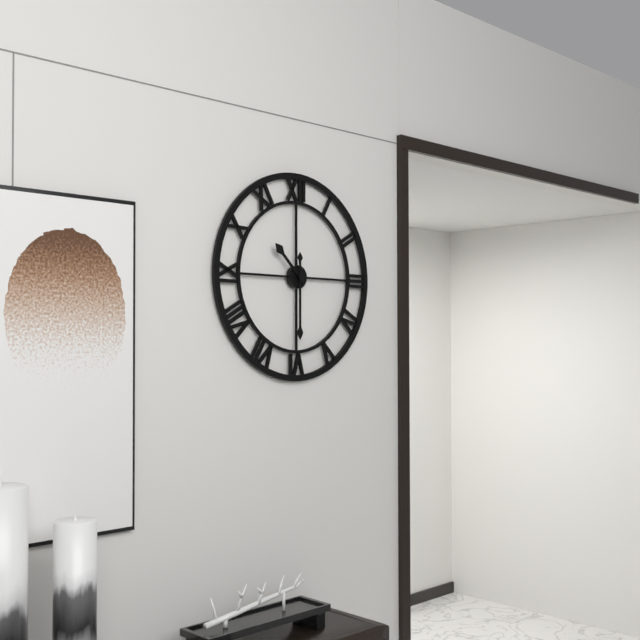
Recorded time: 10.30
